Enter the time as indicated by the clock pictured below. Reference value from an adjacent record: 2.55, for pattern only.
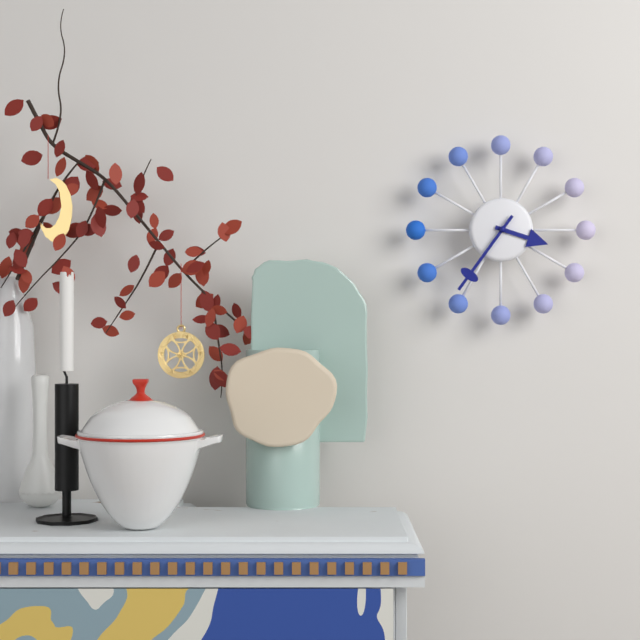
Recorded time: 3.36
